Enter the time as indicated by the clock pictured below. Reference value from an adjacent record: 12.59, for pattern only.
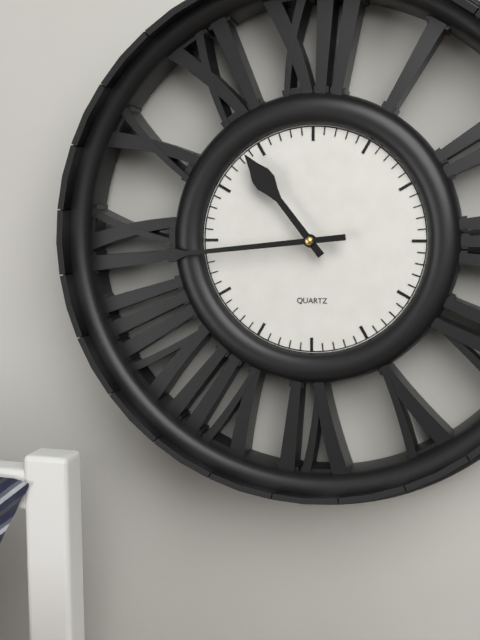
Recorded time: 10.44
